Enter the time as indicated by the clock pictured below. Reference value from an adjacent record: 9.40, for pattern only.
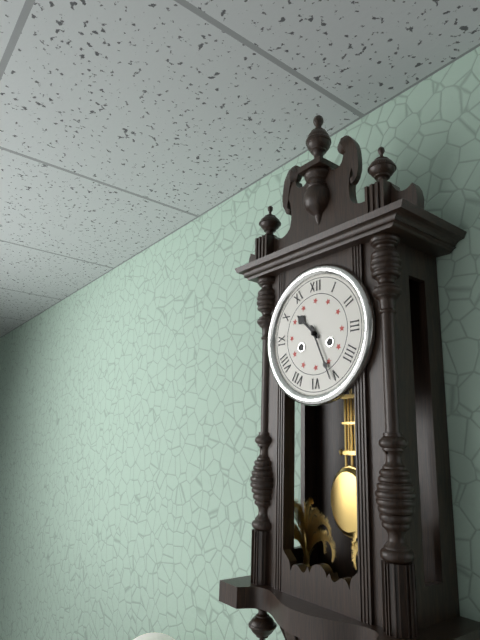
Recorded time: 10.26
